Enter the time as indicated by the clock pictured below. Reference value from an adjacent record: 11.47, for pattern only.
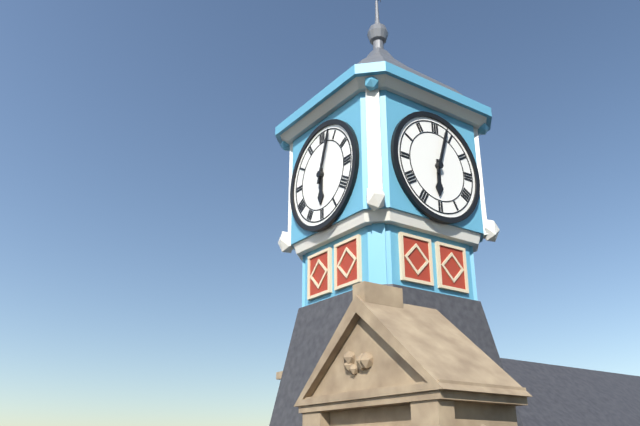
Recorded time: 6.03
